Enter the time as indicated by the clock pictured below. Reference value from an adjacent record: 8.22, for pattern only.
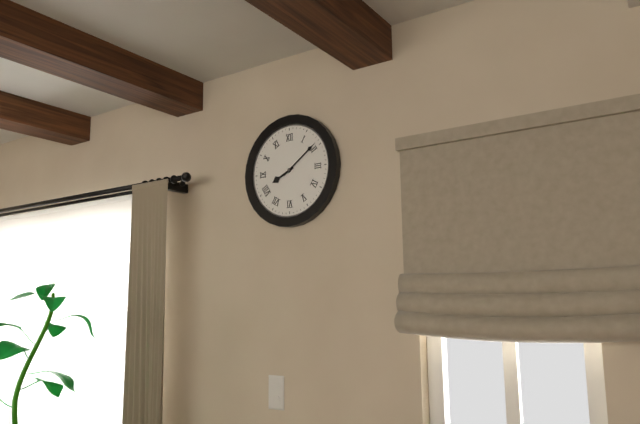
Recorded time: 8.09
